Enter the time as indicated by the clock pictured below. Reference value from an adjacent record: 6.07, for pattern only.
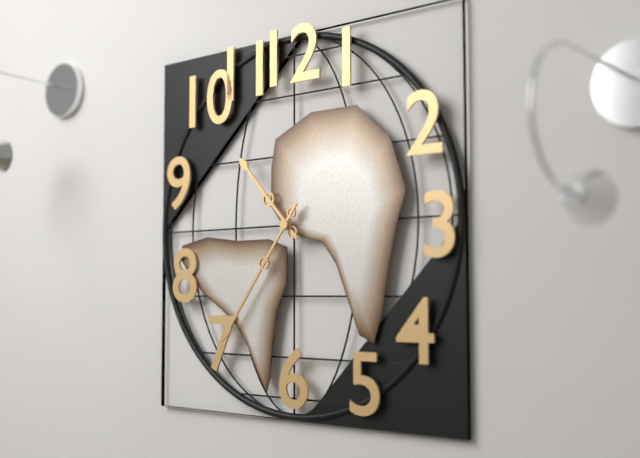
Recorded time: 10.36
